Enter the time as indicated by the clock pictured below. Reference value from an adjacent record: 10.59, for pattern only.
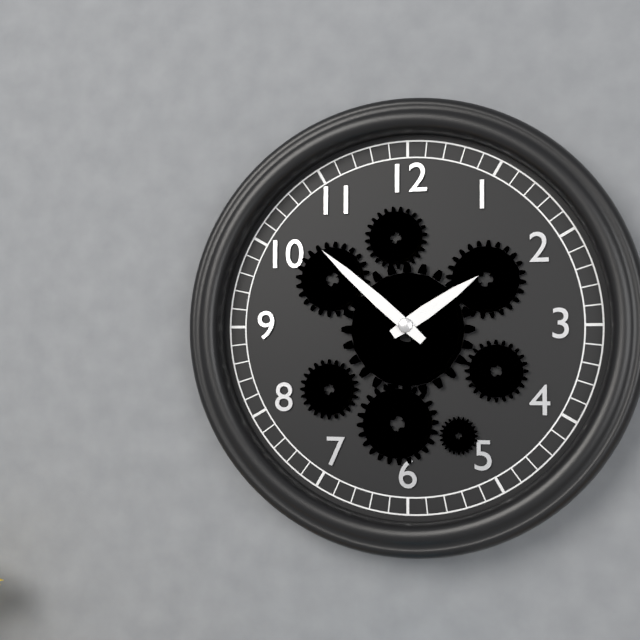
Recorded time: 1.52
